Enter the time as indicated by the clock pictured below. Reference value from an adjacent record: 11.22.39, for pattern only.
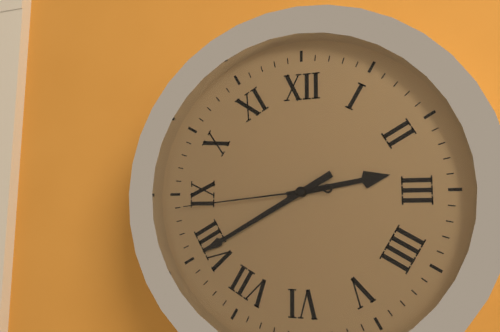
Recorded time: 2.40.44
